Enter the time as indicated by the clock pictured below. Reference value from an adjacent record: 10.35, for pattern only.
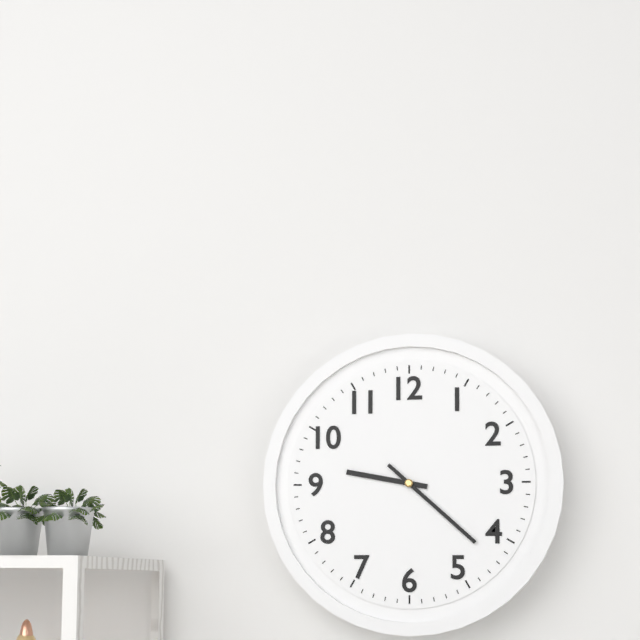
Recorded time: 9.22
